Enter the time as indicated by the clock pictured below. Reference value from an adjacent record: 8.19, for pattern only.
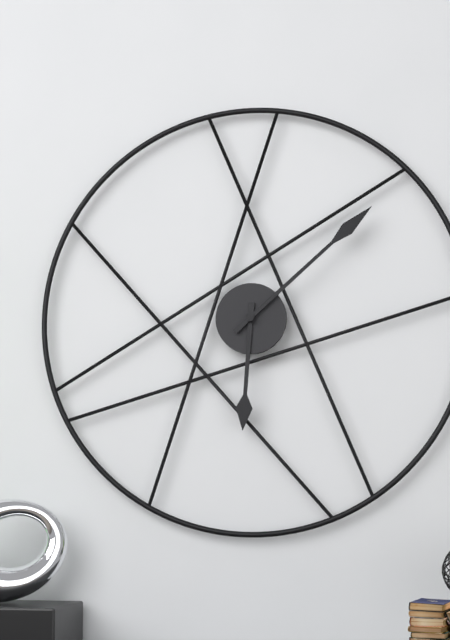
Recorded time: 6.08
